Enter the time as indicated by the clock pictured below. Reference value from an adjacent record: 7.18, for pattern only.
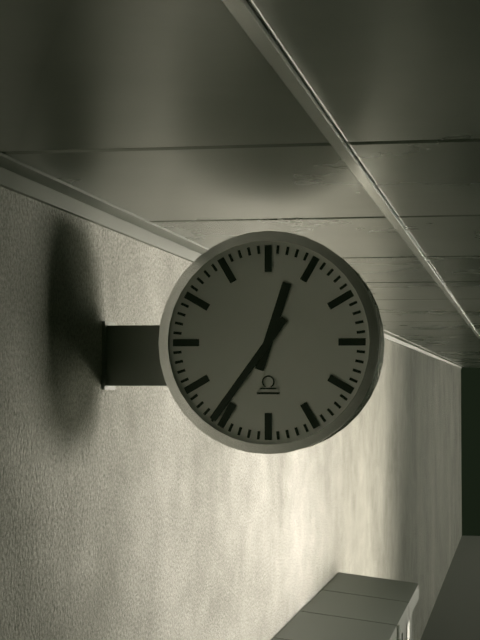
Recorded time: 12.36
